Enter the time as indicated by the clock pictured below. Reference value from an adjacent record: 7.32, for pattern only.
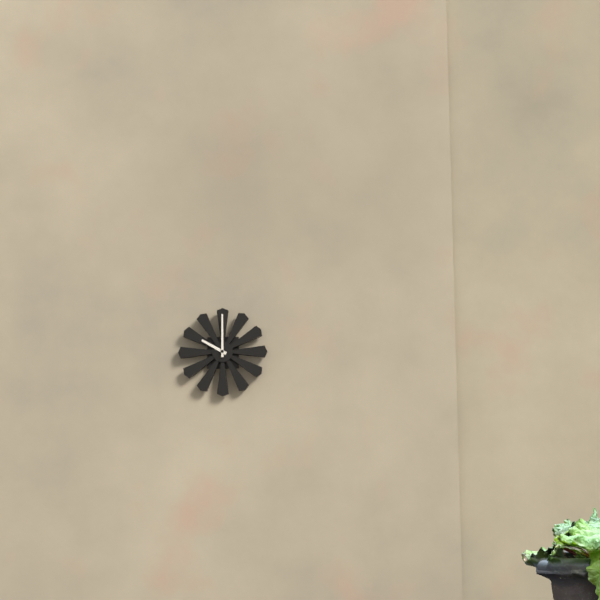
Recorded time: 10.00
